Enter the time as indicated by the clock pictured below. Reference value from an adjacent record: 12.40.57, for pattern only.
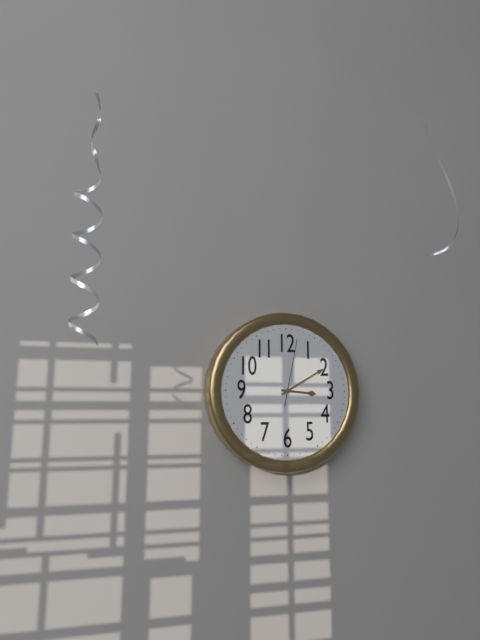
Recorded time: 3.10.02
